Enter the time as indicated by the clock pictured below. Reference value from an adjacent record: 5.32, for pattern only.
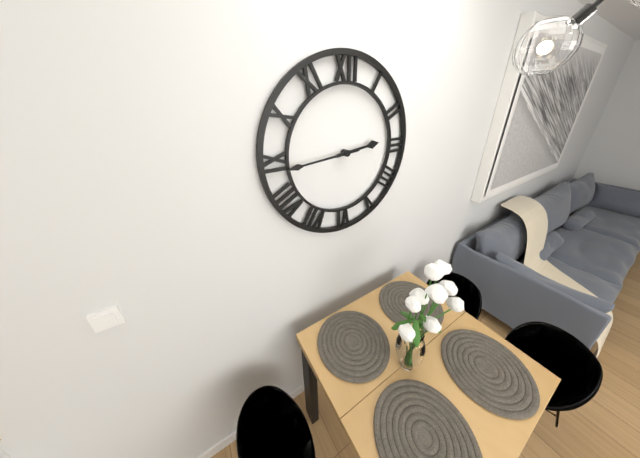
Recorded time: 2.44
